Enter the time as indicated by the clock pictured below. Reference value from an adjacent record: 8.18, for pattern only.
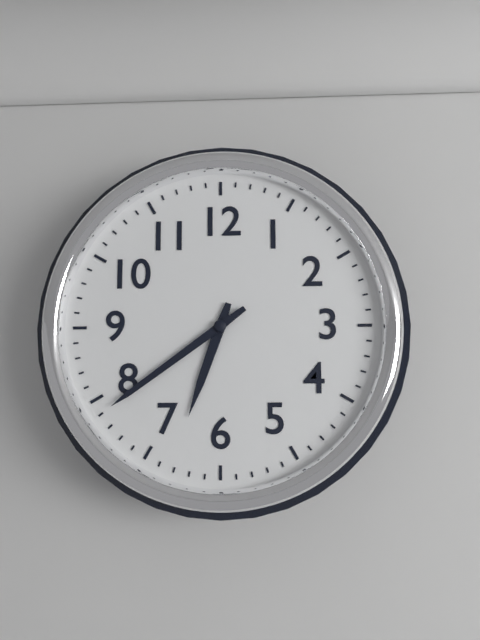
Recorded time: 6.39
